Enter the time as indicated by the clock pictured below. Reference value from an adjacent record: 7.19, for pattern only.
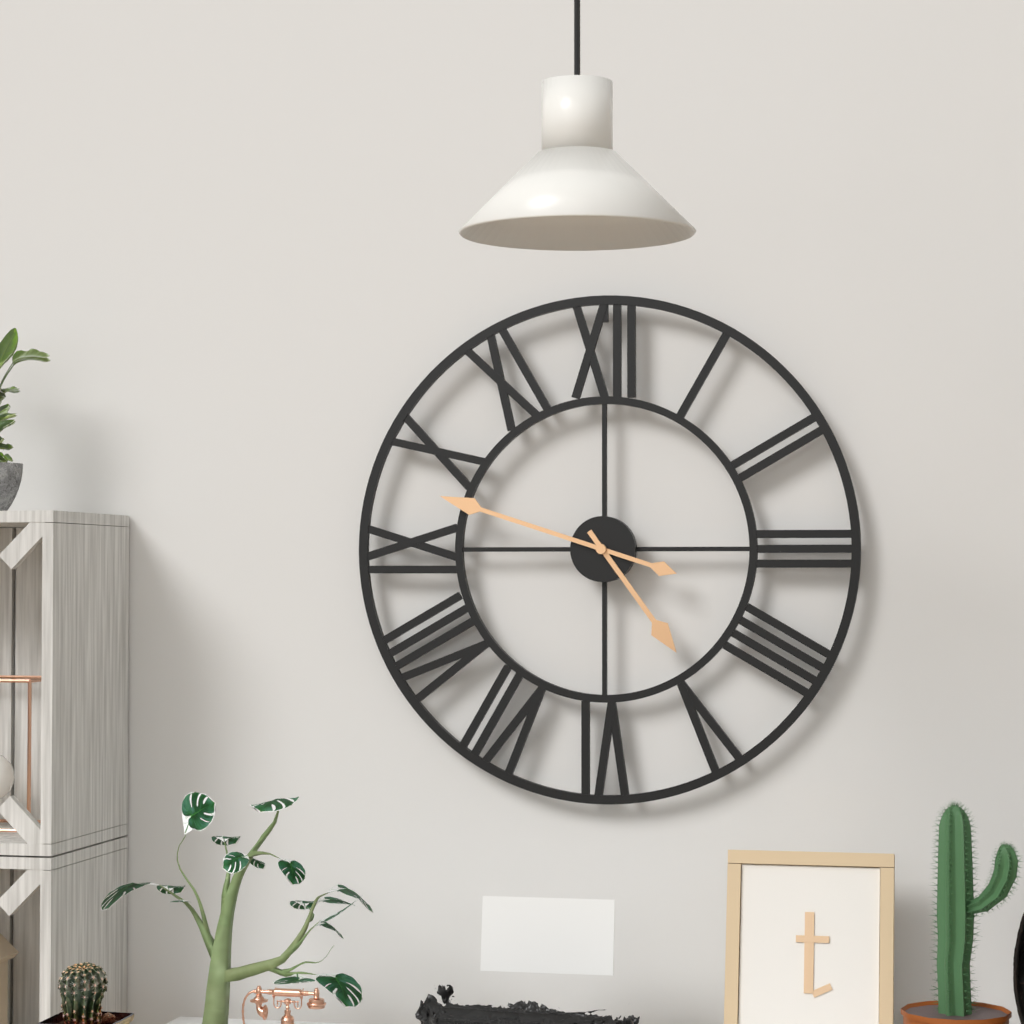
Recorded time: 4.48
